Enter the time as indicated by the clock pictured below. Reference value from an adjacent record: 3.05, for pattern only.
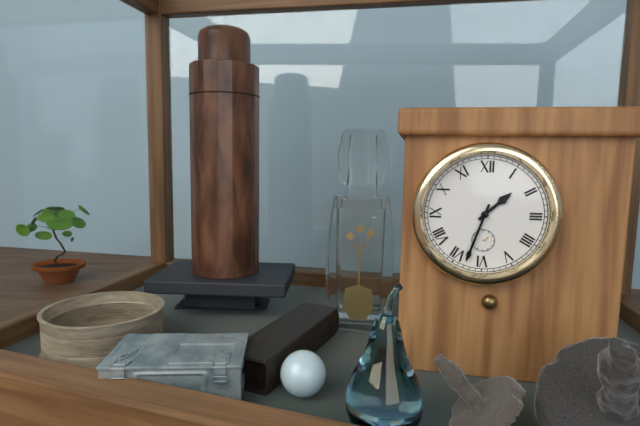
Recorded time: 1.33
